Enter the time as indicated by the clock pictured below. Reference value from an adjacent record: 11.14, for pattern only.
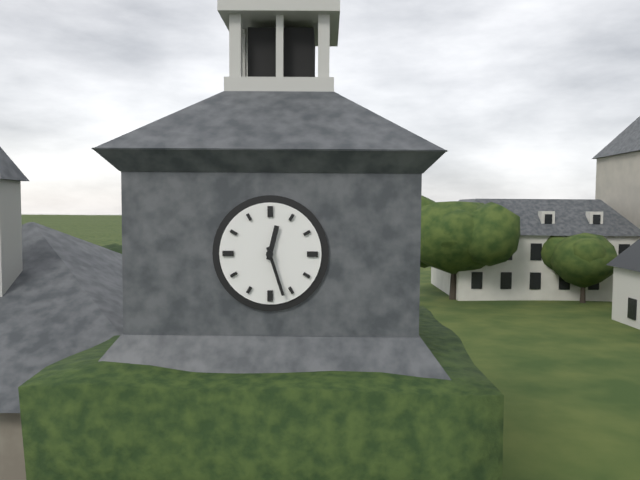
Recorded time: 12.27
